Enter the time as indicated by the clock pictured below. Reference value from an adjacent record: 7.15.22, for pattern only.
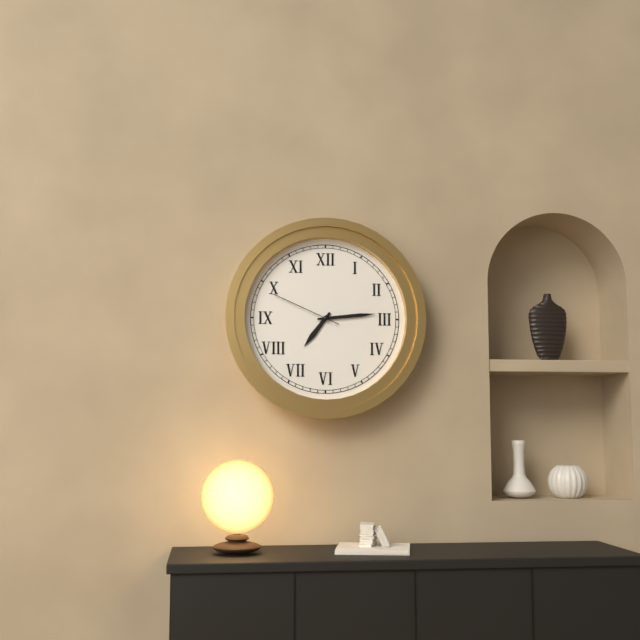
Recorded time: 7.14.49
